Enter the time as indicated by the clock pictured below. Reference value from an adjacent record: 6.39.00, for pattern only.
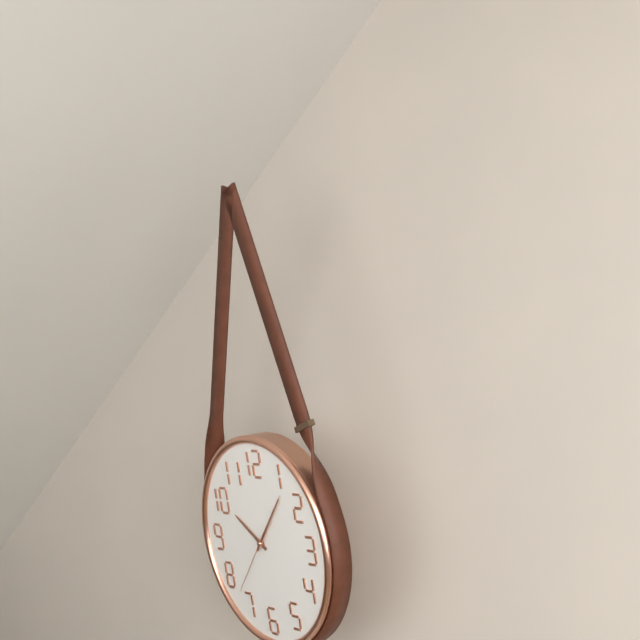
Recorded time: 10.07.37
